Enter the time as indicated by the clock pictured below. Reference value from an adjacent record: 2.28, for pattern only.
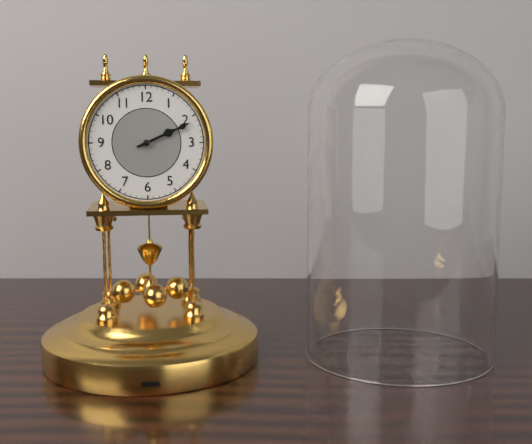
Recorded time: 2.11
